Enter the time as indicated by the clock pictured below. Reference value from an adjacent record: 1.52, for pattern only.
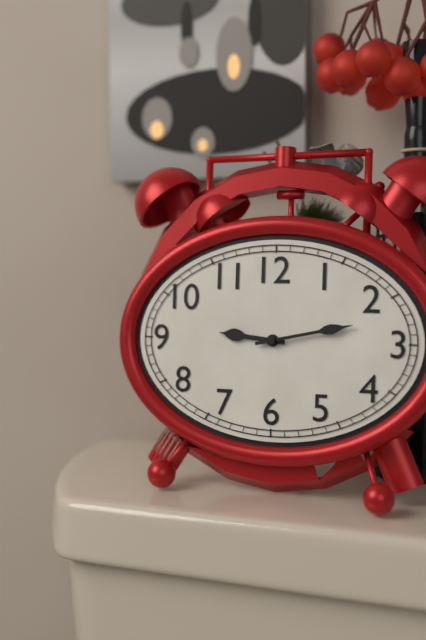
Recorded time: 9.13
